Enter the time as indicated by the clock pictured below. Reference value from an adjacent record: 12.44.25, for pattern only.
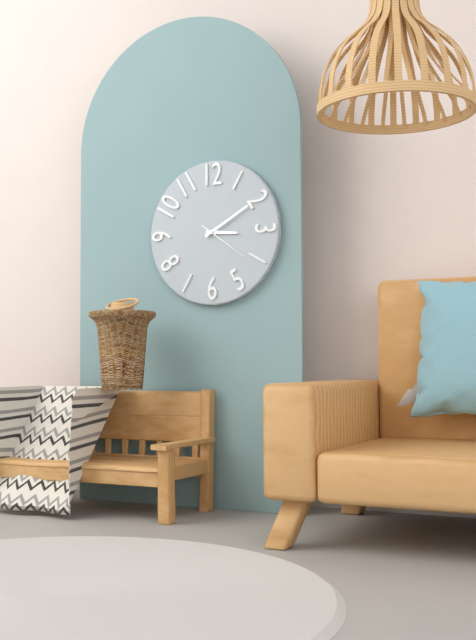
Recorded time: 3.10.21
